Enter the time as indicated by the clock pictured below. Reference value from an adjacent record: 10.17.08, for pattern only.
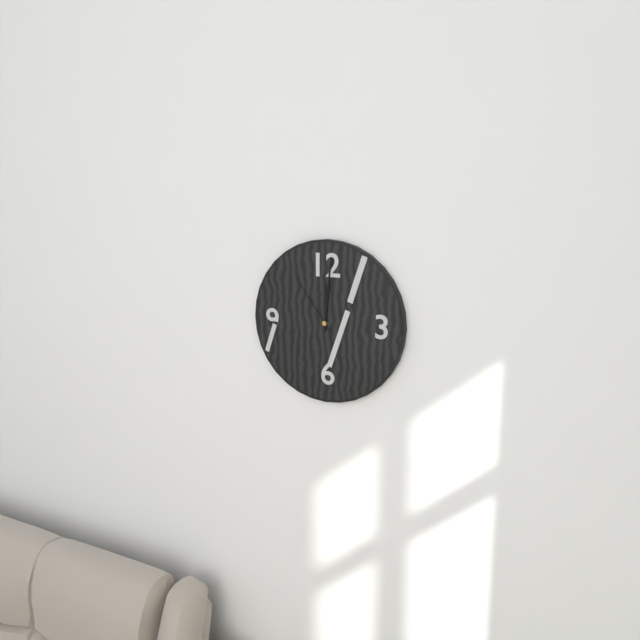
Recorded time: 12.01.54
